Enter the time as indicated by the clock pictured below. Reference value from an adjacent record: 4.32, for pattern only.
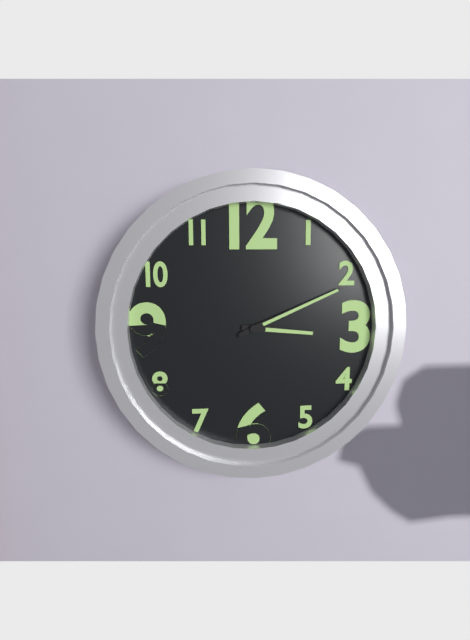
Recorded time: 3.11
